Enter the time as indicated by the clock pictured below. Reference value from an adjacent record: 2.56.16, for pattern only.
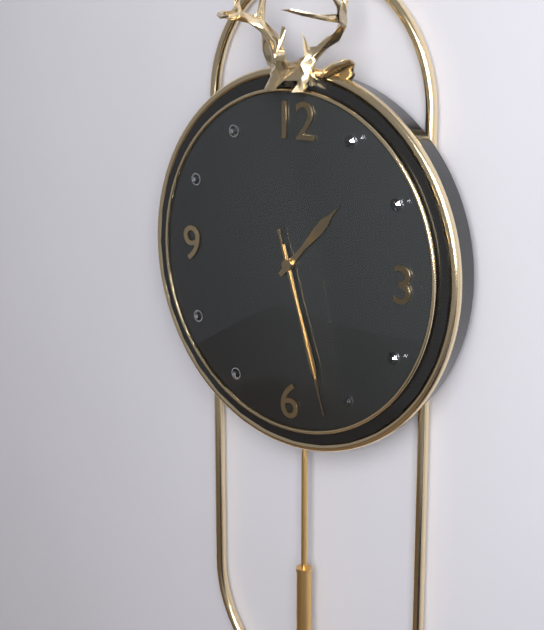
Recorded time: 1.27.27
